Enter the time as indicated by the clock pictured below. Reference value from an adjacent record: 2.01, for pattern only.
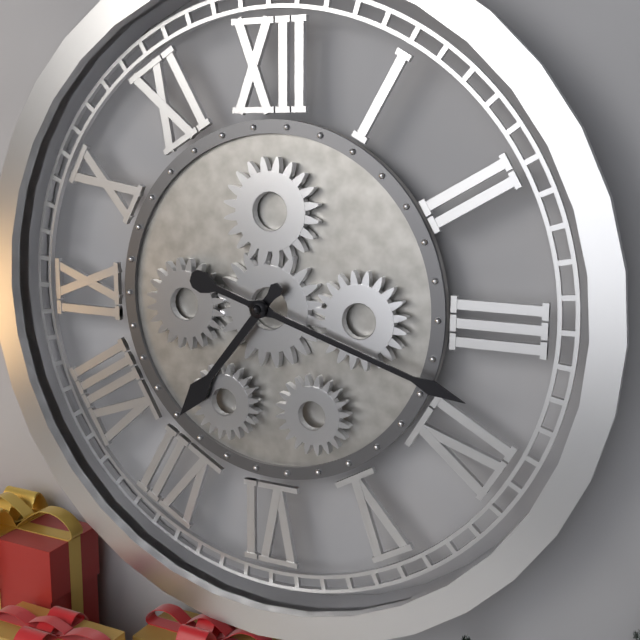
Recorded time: 7.18
